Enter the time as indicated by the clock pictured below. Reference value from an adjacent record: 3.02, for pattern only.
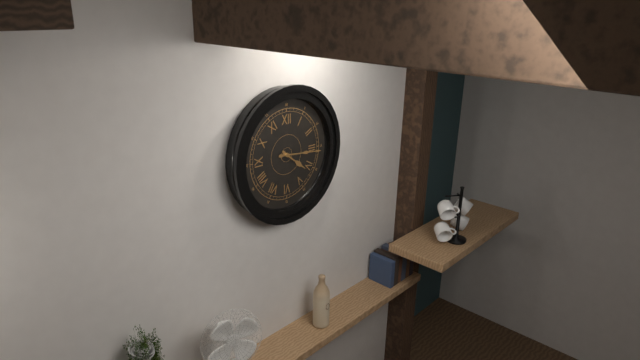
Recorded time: 4.16
